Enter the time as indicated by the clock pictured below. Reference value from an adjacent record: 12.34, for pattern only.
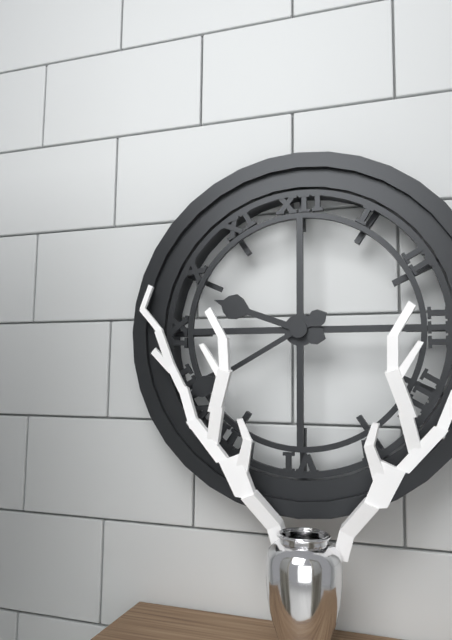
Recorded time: 9.40
